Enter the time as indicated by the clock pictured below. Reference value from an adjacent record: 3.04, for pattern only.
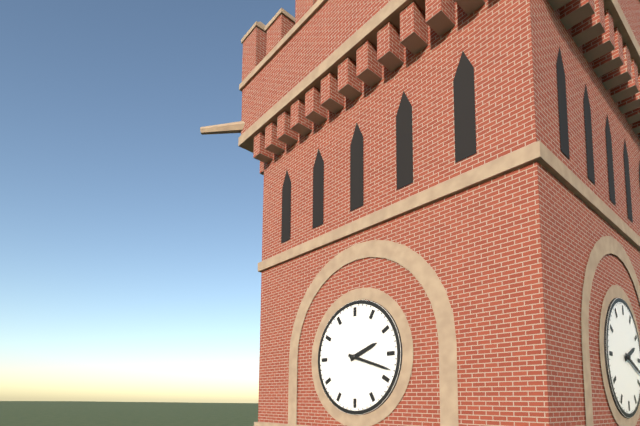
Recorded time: 2.18
